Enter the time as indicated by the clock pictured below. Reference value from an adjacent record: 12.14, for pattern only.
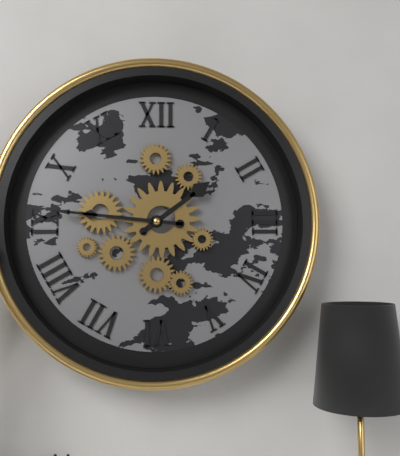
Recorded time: 1.46
